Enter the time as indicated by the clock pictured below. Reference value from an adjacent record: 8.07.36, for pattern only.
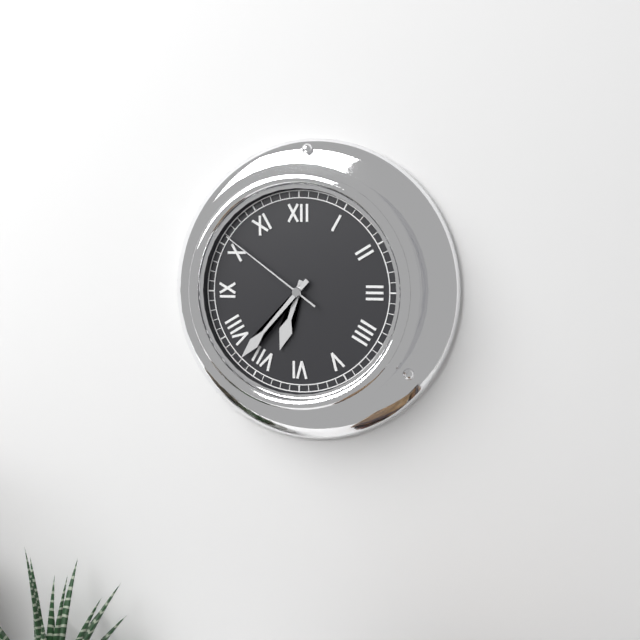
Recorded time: 6.37.51
